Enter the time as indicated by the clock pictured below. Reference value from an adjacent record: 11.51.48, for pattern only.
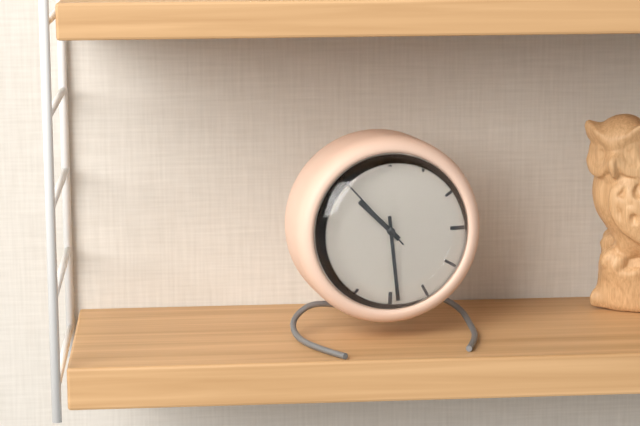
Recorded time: 10.29.53
